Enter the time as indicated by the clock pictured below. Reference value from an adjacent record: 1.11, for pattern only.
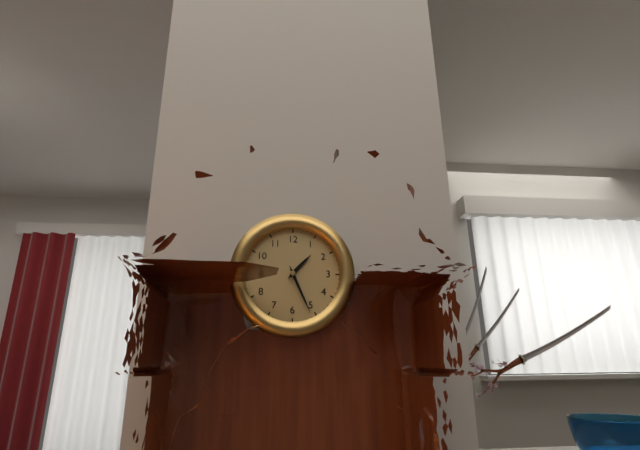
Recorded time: 1.26
